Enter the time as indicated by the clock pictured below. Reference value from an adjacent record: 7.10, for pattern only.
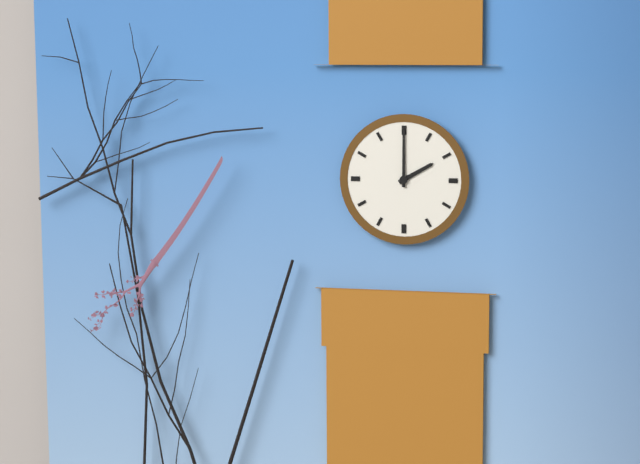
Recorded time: 2.00
